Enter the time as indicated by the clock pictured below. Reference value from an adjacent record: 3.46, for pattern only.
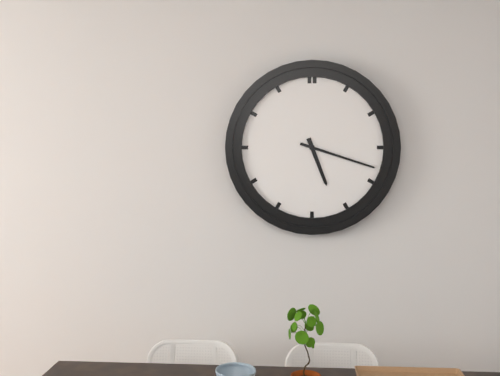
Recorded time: 5.18
